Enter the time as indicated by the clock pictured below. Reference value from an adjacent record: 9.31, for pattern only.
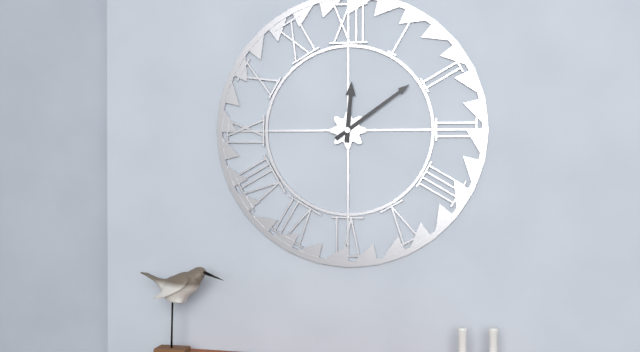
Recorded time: 12.09
